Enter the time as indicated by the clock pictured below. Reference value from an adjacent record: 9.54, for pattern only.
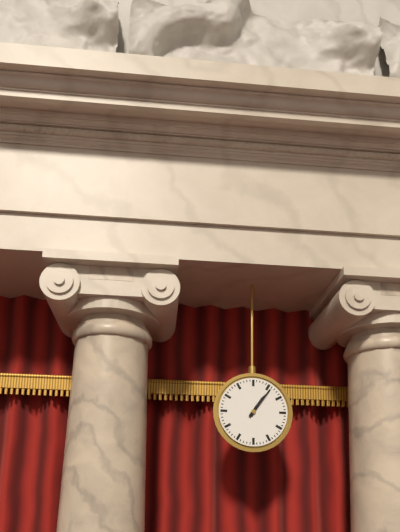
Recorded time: 1.06
